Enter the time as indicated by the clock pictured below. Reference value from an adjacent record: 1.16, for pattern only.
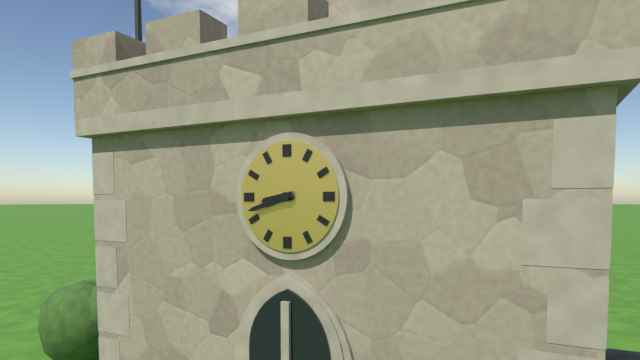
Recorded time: 8.42
